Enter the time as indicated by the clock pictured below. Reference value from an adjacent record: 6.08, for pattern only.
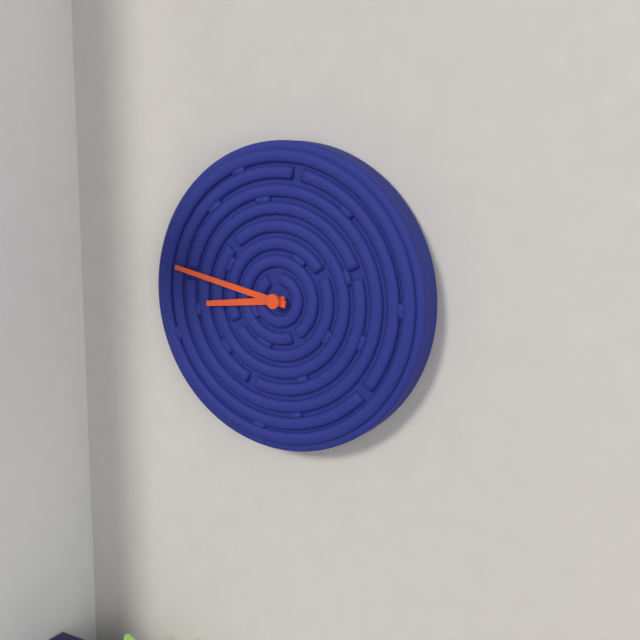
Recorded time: 8.47
